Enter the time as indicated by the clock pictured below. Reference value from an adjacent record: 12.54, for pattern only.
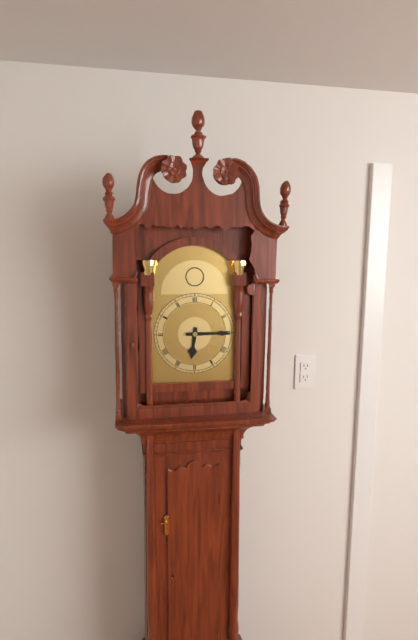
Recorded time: 6.15
